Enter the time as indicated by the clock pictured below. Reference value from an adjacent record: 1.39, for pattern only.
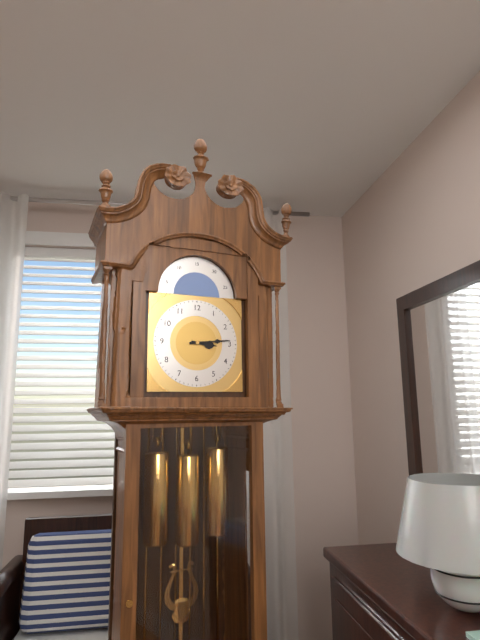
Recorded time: 3.14
